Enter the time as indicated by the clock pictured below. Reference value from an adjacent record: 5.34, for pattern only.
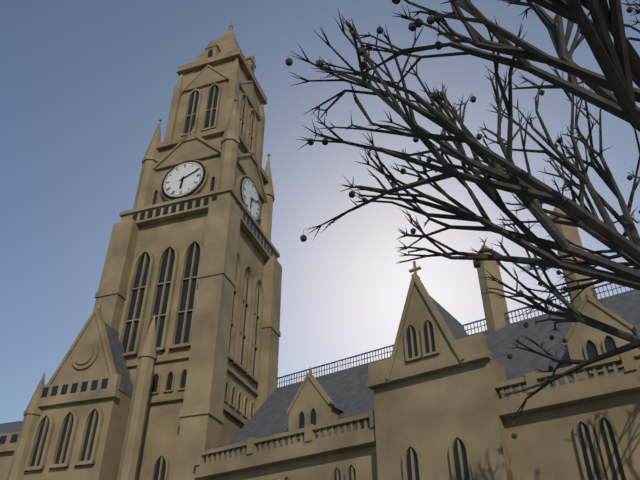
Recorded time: 6.11
